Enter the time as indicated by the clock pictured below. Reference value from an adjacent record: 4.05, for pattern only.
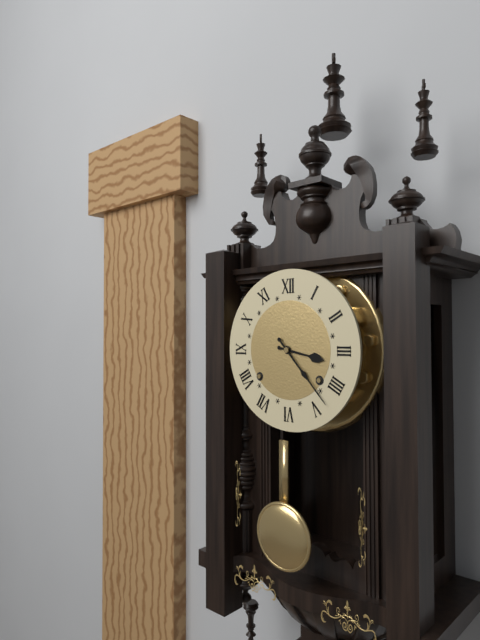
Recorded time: 3.23
